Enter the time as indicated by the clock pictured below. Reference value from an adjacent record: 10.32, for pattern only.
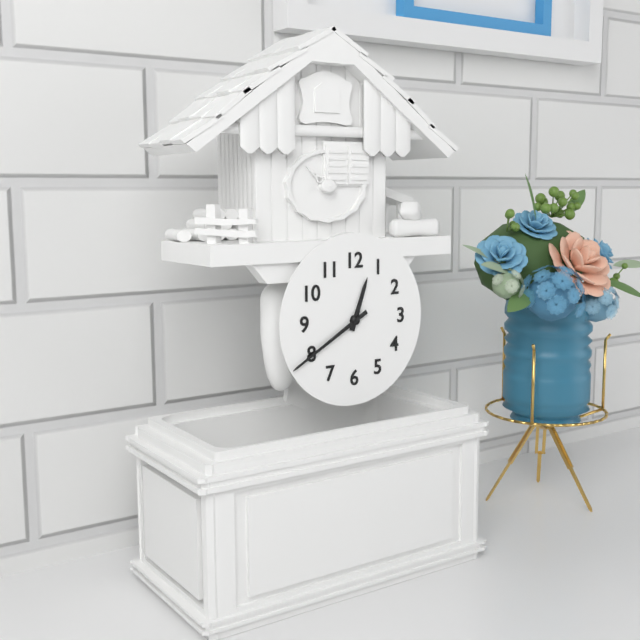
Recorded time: 12.40
